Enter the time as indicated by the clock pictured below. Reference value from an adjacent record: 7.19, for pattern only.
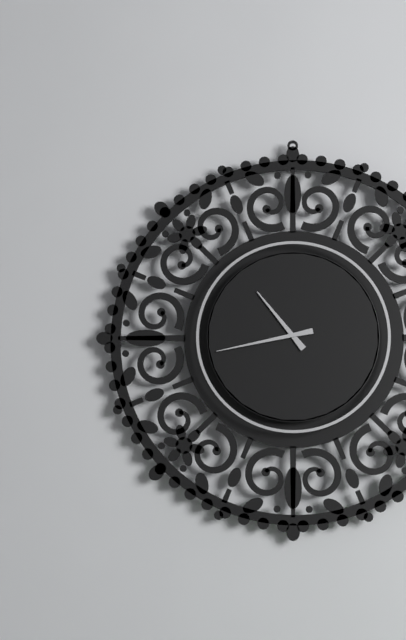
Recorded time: 10.43
